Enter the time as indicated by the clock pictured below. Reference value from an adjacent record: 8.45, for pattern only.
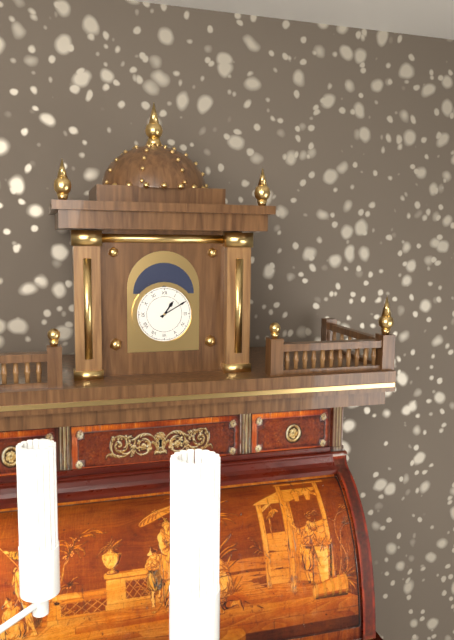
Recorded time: 1.10
